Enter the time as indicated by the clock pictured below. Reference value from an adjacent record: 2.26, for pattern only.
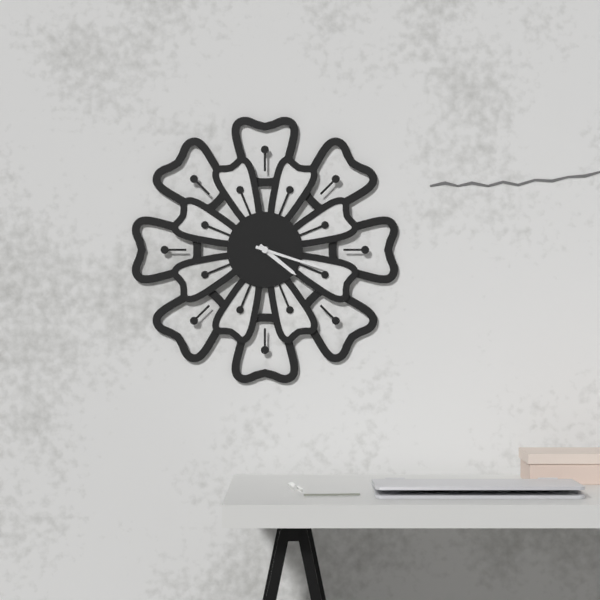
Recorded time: 4.18
